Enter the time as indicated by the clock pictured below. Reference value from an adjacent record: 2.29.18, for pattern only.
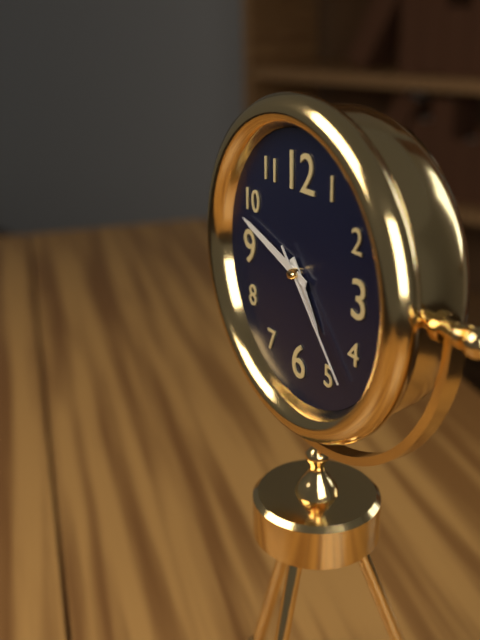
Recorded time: 4.48.23
